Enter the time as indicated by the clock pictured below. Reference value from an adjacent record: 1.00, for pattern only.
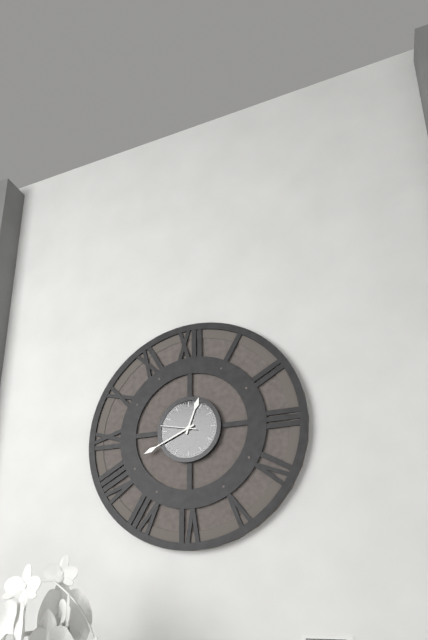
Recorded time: 12.41
